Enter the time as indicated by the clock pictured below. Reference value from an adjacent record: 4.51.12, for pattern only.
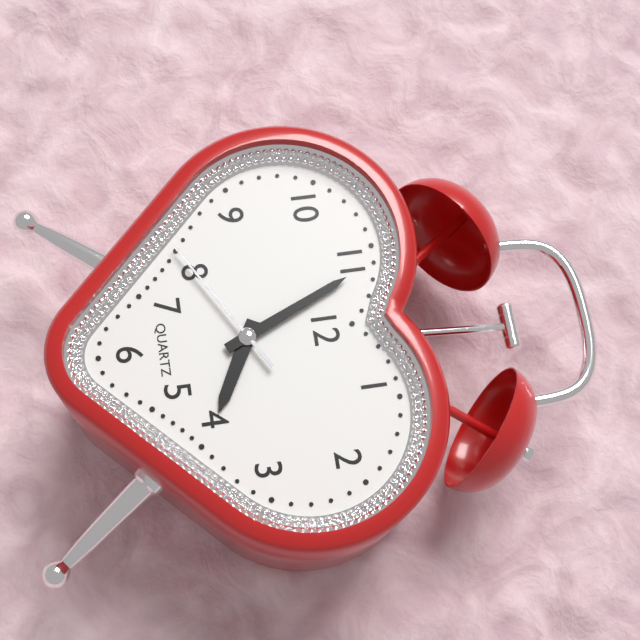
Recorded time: 3.56.40
